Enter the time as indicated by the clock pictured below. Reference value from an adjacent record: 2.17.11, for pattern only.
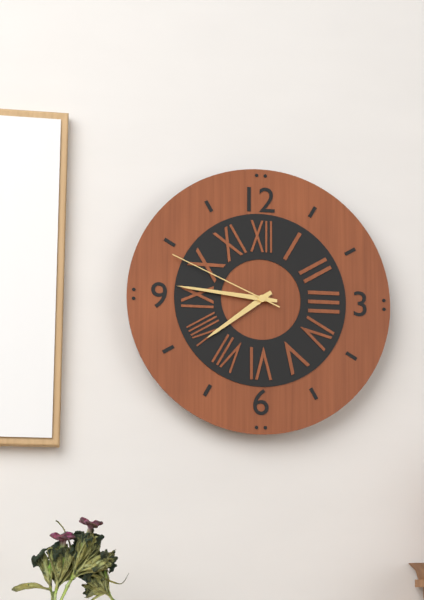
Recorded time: 7.46.49
